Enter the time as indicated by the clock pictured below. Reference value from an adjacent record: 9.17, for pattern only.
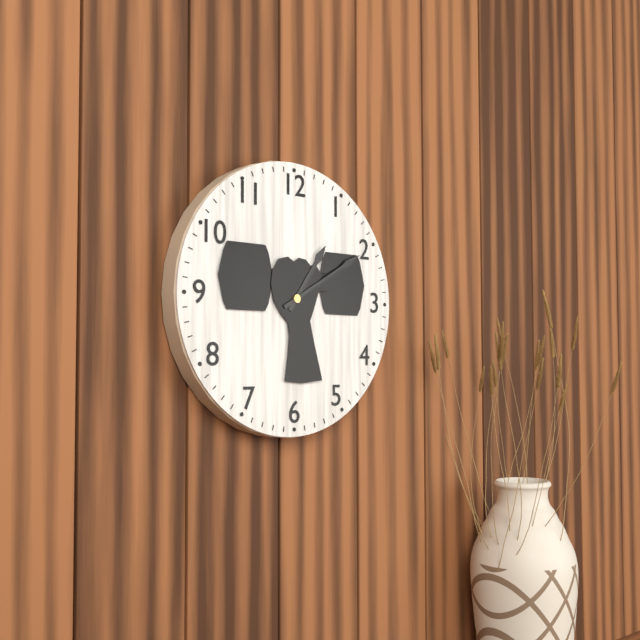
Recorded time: 1.10
